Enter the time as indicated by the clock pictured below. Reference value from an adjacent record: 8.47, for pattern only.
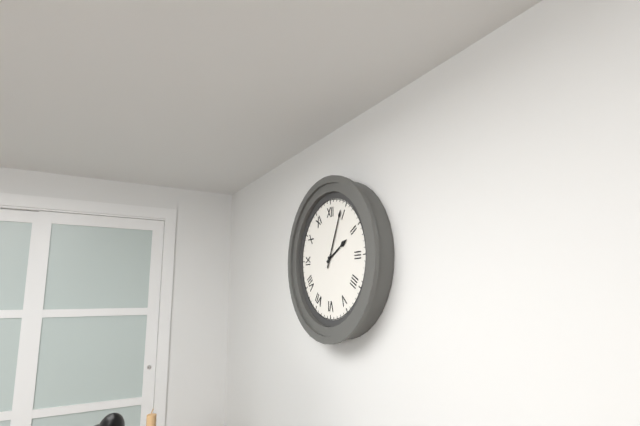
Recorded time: 2.04
